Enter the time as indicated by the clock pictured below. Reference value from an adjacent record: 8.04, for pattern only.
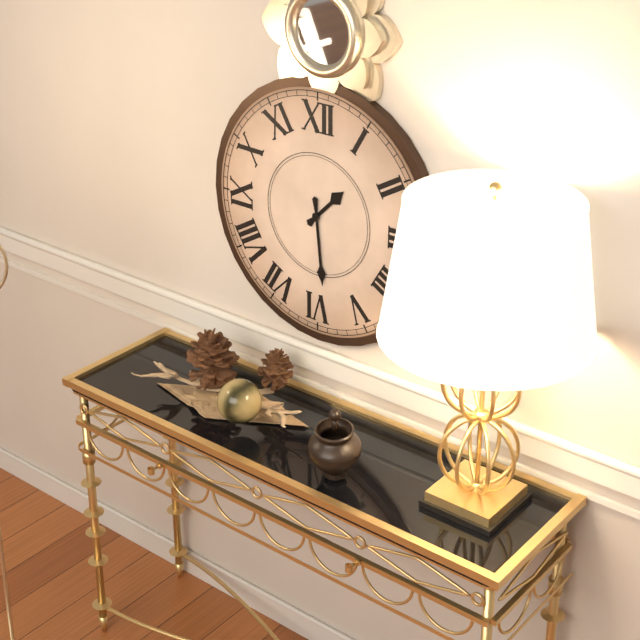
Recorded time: 1.29
